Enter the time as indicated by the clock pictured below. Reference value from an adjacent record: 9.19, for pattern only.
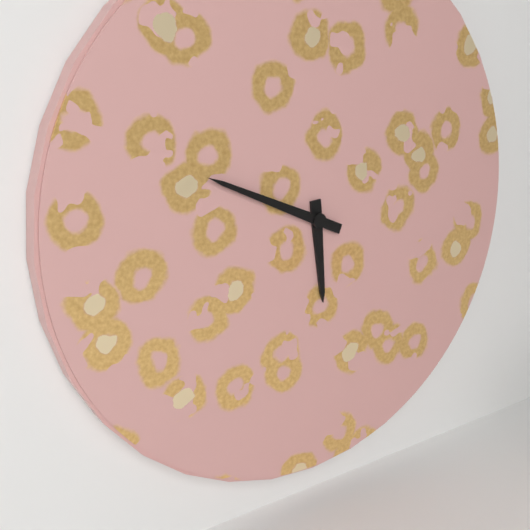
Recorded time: 5.49
